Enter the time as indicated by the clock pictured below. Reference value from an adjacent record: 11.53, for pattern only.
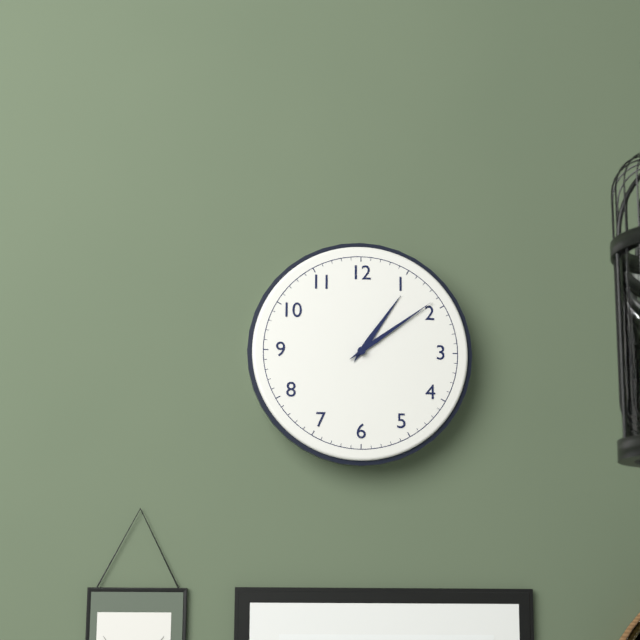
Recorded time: 1.09
